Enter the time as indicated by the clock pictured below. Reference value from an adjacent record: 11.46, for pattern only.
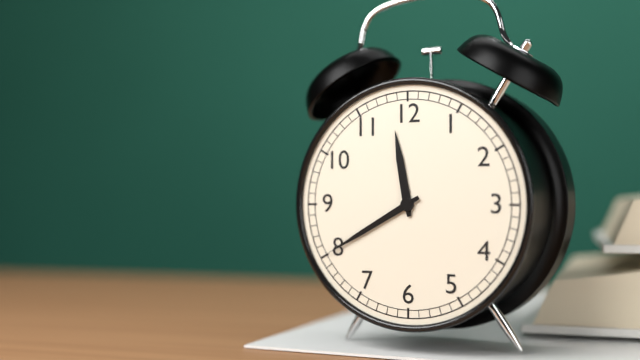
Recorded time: 11.40
